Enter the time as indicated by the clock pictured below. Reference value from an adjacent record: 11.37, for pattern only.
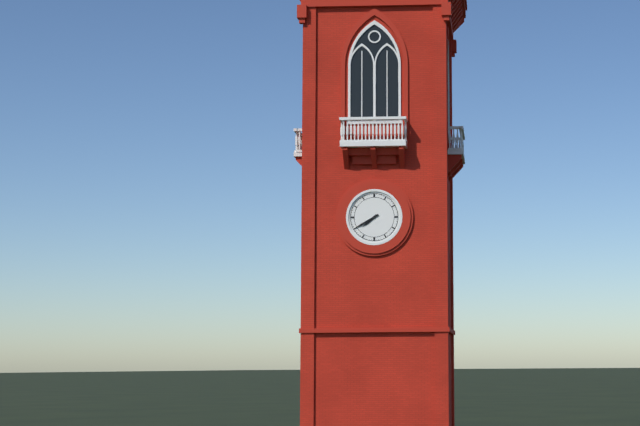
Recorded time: 7.40
